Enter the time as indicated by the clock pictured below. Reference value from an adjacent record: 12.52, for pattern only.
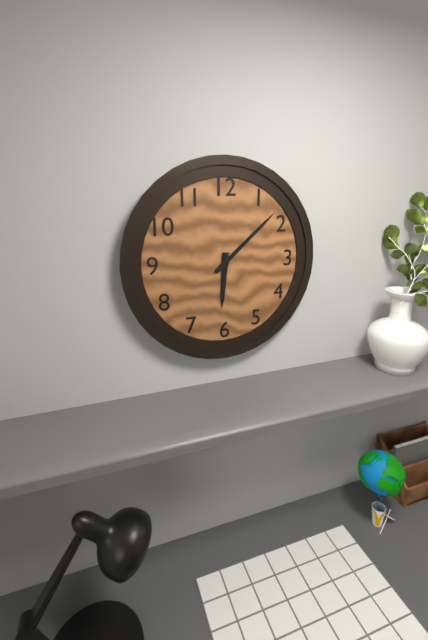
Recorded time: 6.08
